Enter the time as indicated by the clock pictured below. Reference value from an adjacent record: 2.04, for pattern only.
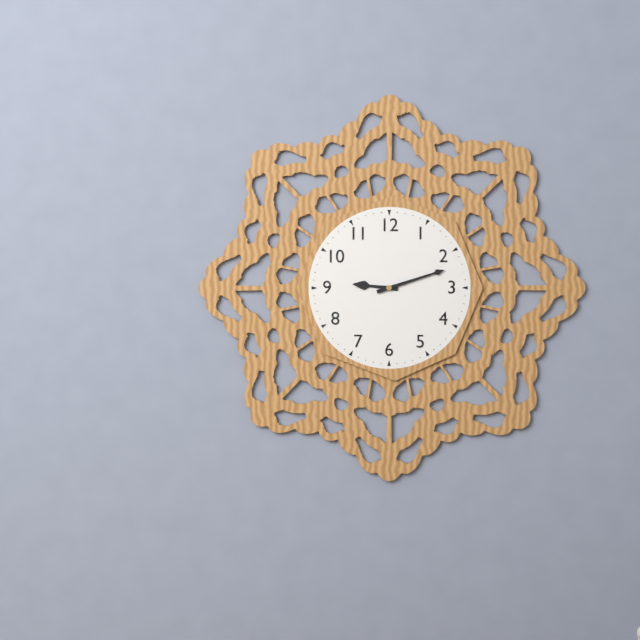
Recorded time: 9.12
